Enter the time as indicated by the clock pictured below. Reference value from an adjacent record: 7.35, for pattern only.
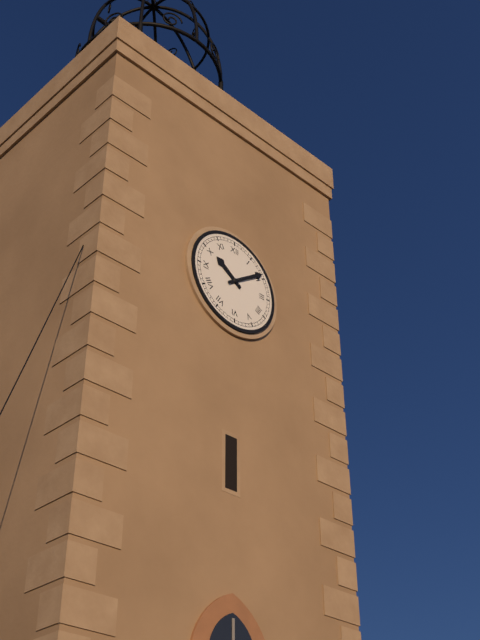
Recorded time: 10.09
